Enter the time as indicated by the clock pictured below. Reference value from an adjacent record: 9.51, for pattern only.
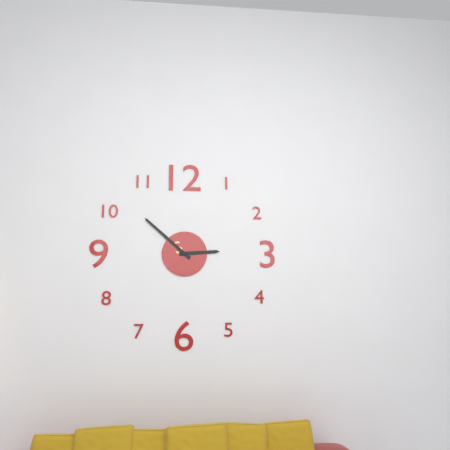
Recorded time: 2.52
